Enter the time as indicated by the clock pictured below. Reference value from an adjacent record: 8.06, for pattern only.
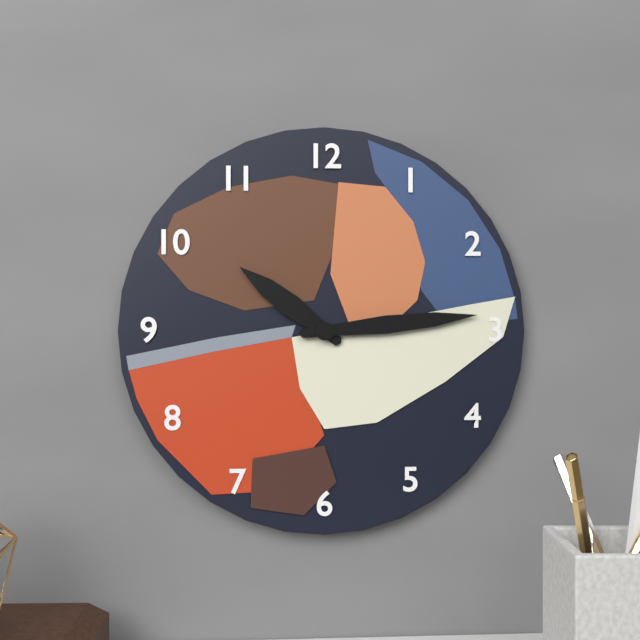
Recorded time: 10.14
